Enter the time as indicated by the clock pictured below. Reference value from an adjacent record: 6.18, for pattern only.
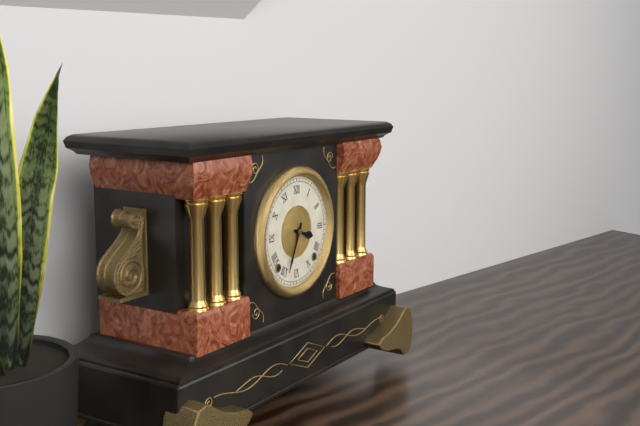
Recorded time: 3.34
